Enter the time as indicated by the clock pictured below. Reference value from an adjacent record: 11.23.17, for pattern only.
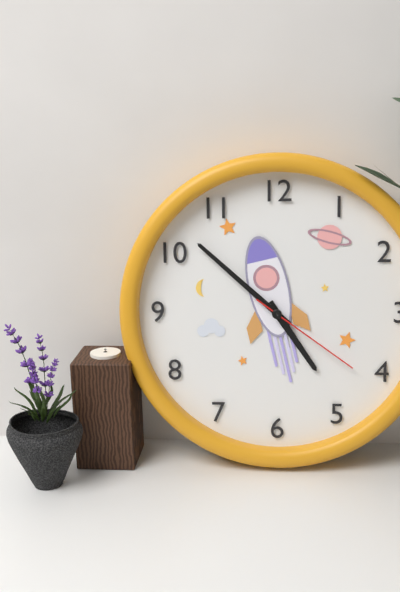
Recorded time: 4.52.21
